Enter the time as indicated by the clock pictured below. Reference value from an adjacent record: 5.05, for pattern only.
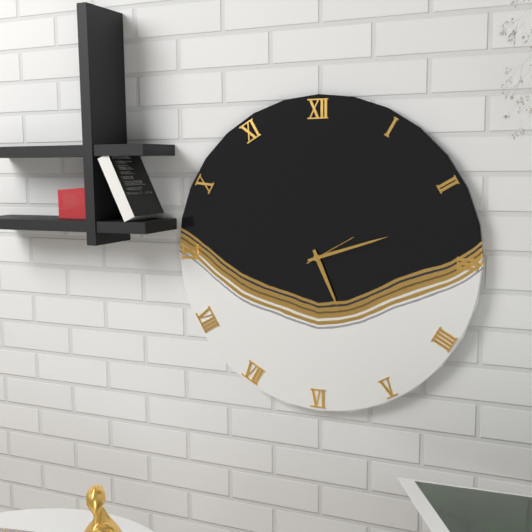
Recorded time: 5.12
